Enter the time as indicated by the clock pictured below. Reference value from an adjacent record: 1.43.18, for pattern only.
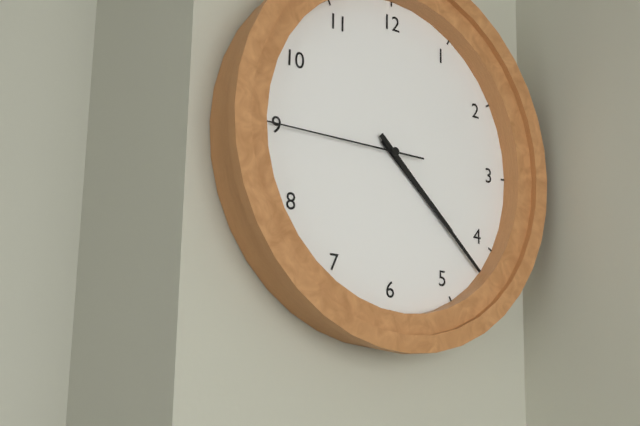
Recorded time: 4.22.45
